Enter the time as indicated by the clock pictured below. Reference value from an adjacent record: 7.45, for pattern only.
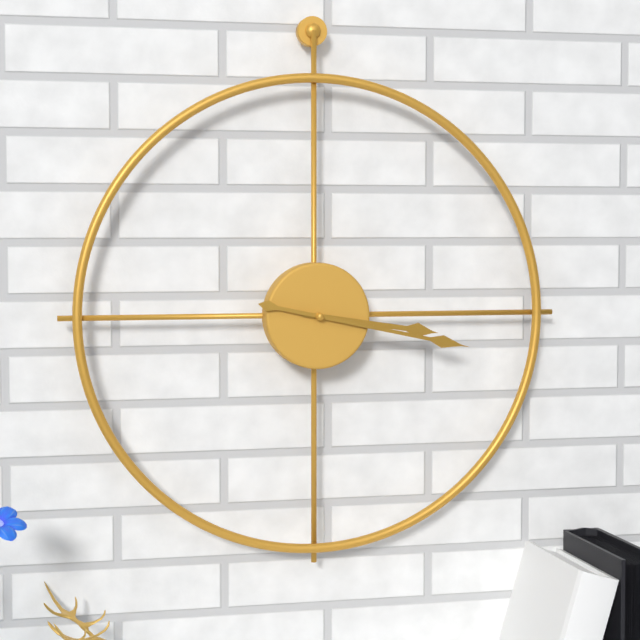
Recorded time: 3.17
